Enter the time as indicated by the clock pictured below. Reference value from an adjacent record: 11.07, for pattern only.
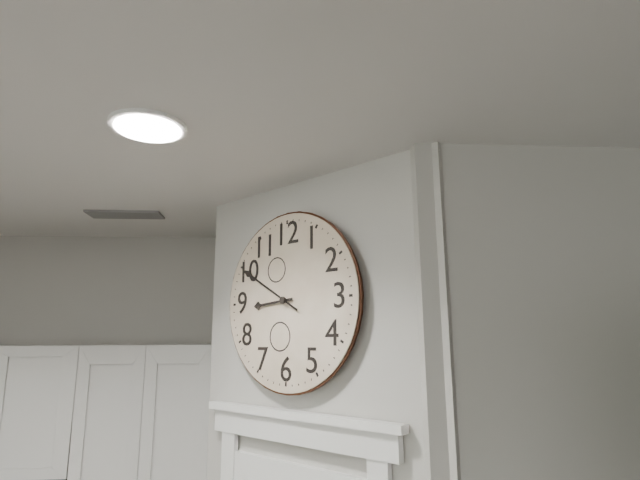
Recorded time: 8.50
